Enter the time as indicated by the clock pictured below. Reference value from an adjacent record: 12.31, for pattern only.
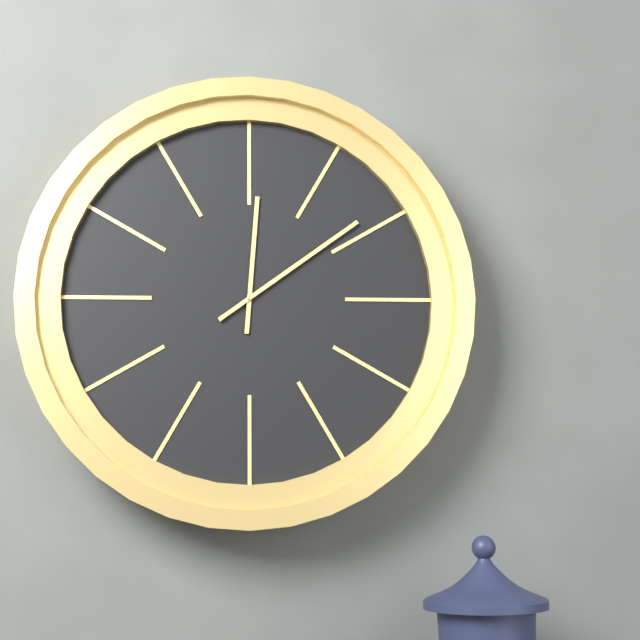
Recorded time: 12.09
